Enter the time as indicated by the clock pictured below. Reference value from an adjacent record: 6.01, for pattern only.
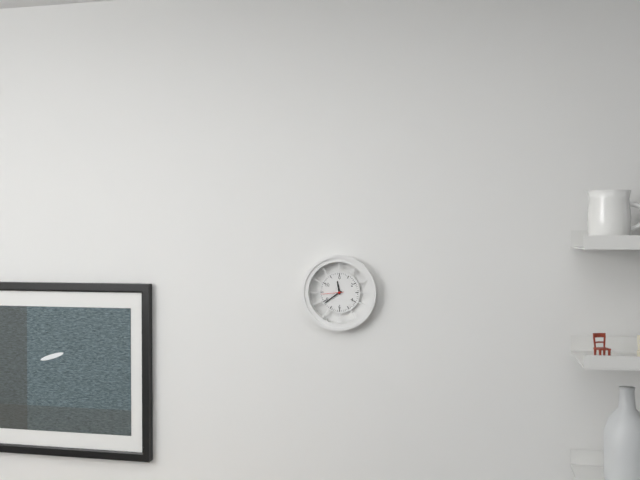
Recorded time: 11.39
